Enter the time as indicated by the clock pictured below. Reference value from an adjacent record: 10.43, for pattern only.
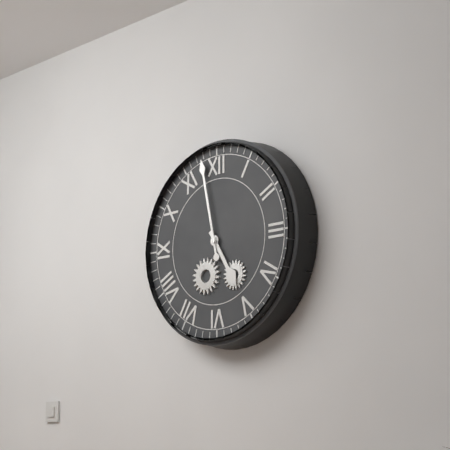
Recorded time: 4.58
